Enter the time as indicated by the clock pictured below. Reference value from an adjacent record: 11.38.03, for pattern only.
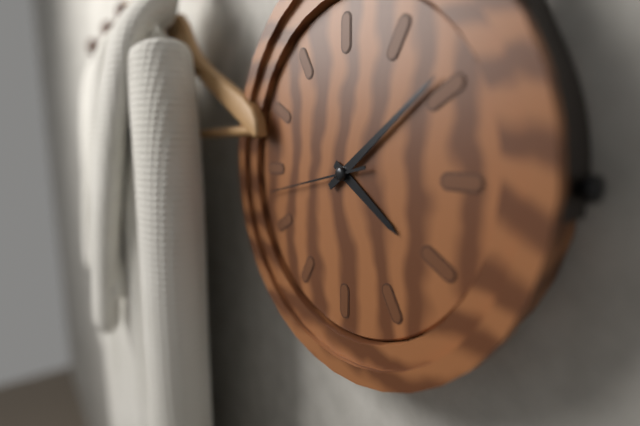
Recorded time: 4.09.43
